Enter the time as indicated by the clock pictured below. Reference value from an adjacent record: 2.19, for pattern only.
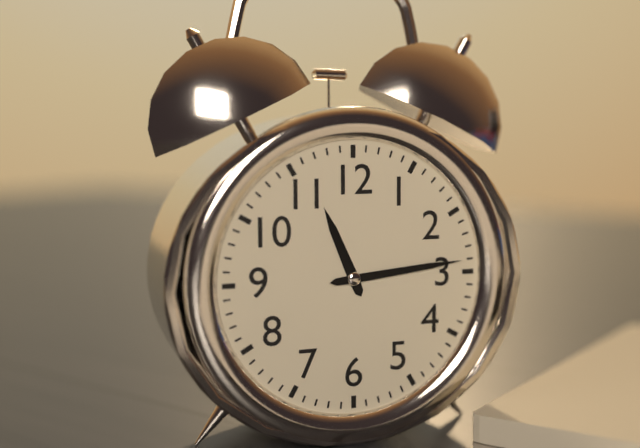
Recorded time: 11.14
